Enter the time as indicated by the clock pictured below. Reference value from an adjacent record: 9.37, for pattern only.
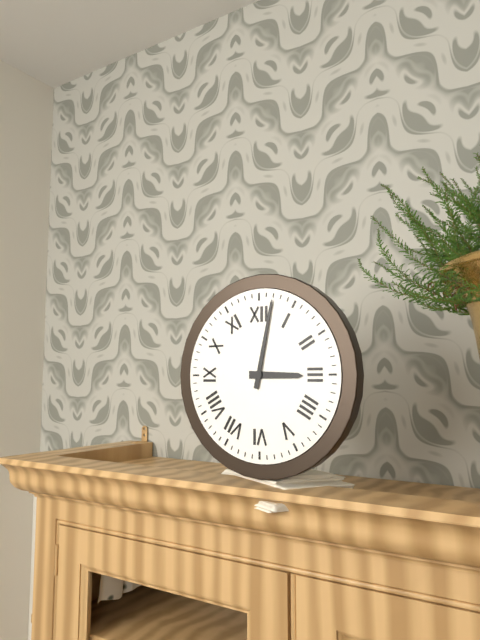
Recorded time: 3.02
